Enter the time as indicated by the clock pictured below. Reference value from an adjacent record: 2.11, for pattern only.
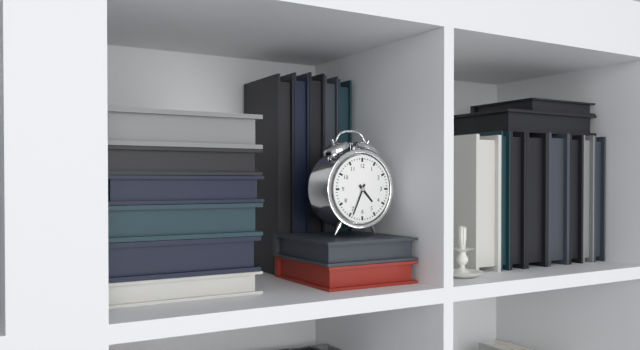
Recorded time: 4.34
